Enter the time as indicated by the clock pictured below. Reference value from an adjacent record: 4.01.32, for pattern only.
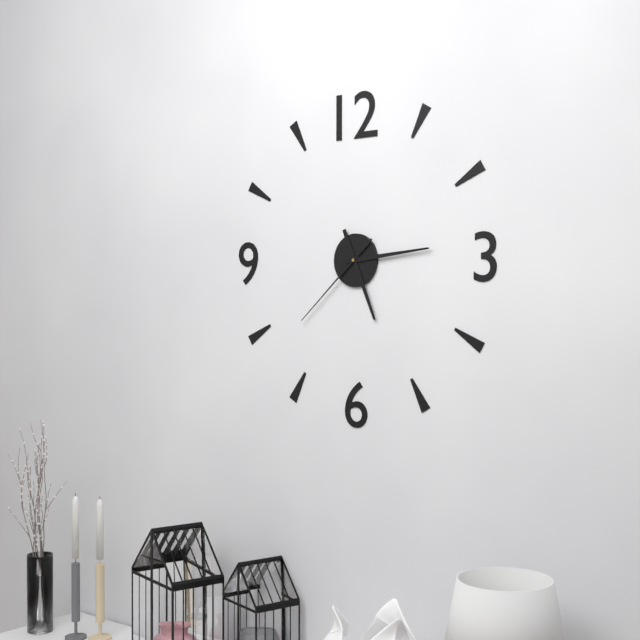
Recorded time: 5.14.38
